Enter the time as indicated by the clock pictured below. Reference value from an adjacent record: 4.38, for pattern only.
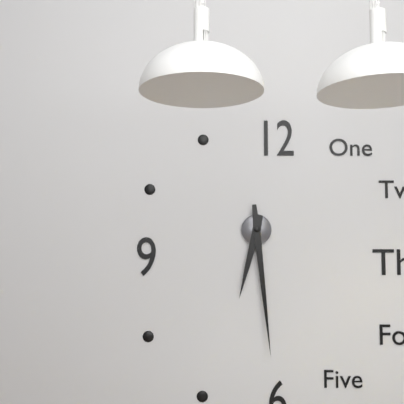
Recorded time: 6.29
